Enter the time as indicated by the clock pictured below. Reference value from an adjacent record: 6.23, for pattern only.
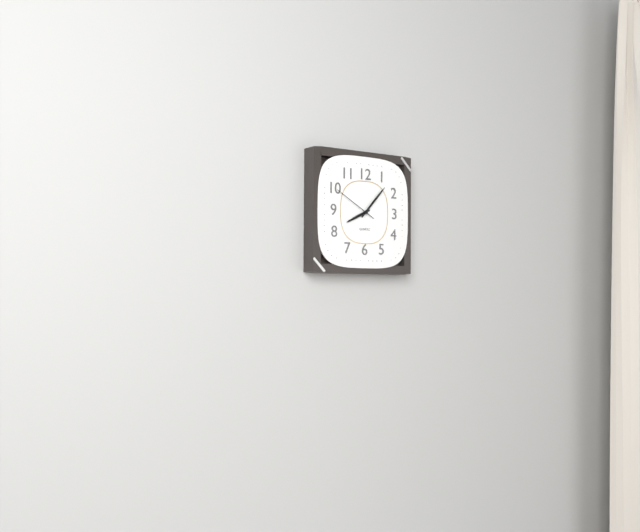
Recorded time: 8.07
